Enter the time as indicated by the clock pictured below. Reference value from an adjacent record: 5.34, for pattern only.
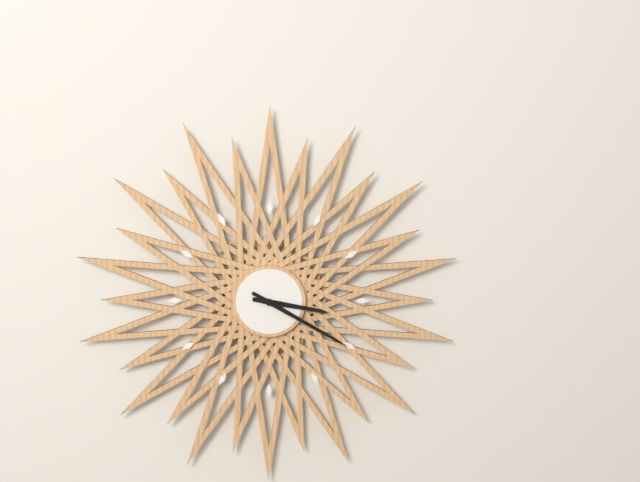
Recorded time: 3.20
